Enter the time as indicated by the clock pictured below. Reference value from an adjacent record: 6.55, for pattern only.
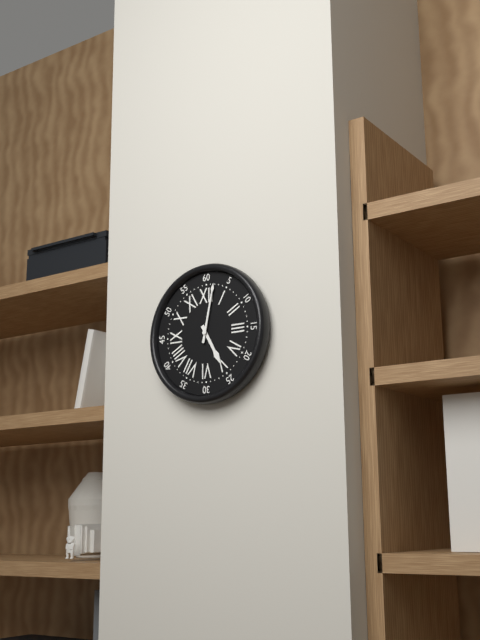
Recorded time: 5.02
